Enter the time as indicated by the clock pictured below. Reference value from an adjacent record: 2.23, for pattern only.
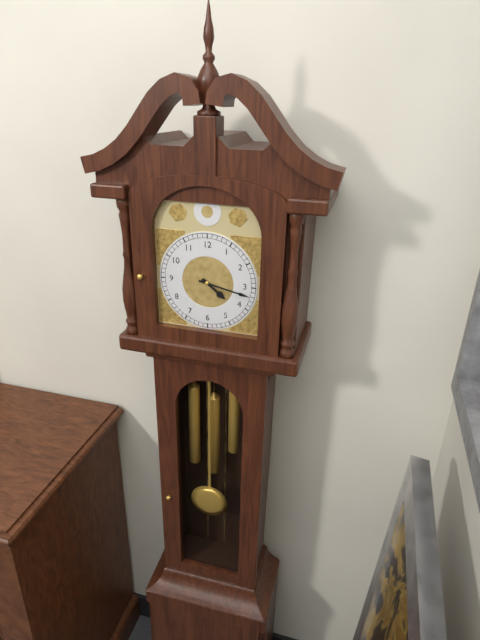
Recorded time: 4.17
